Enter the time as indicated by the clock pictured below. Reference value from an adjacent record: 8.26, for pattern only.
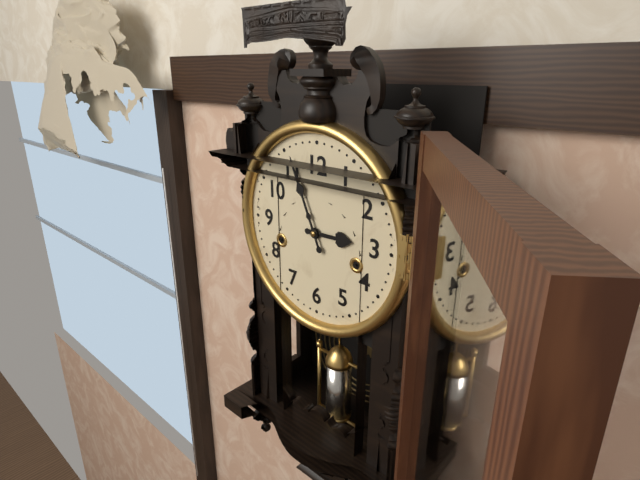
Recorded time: 2.56
